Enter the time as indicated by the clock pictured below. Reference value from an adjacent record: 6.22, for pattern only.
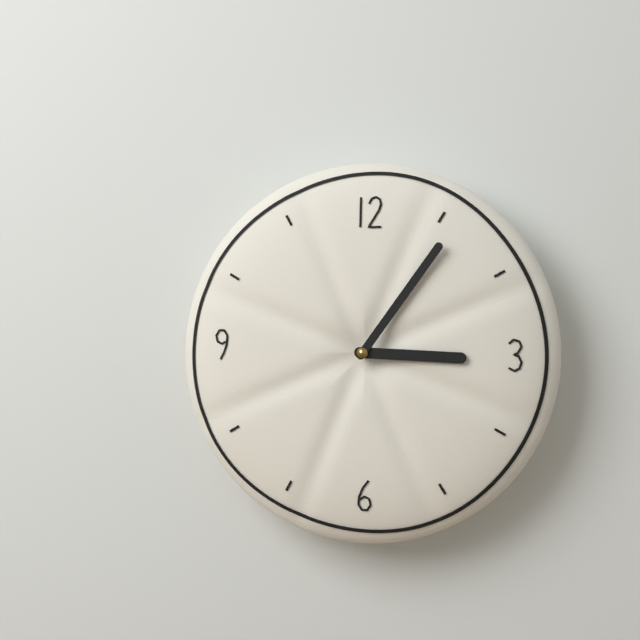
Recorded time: 3.06
